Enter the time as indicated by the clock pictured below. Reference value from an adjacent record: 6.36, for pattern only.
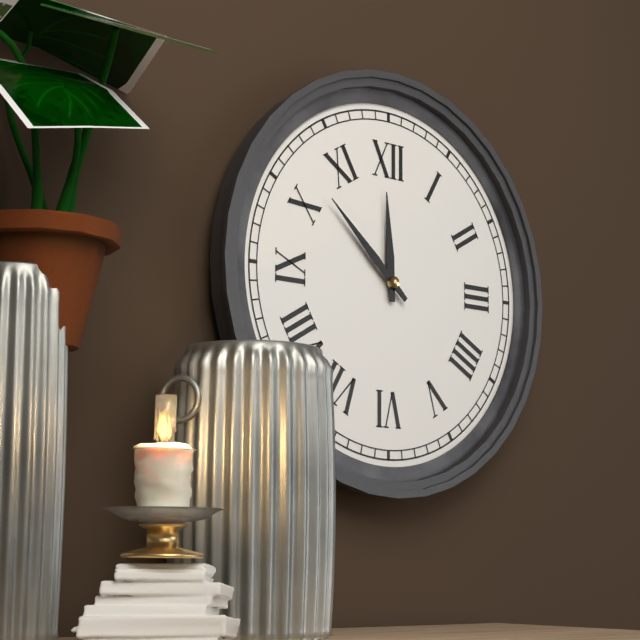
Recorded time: 11.52
